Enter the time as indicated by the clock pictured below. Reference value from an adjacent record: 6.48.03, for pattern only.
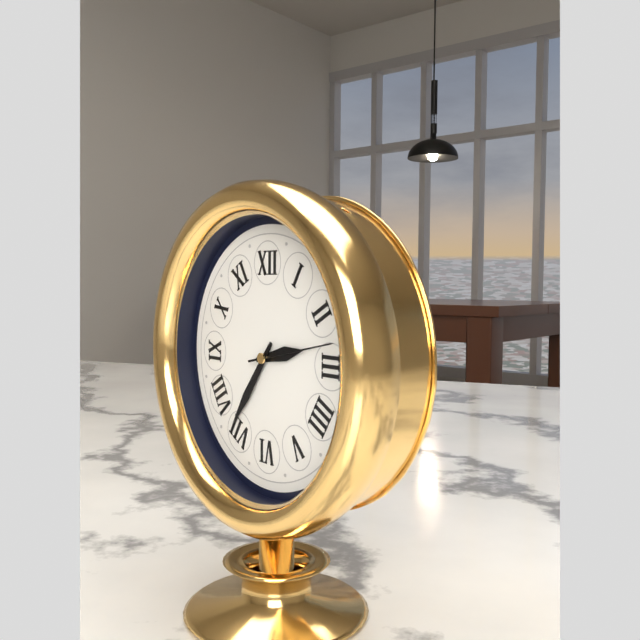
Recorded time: 2.36.13
